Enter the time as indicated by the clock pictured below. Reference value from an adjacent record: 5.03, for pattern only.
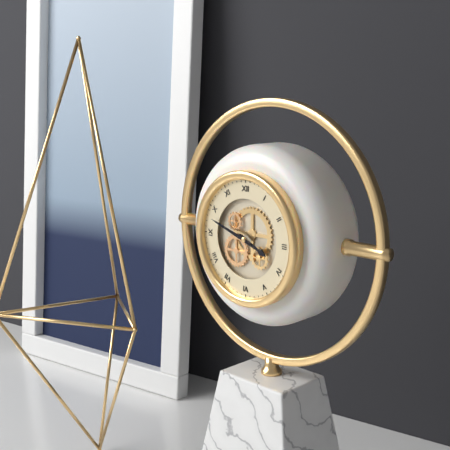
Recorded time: 3.48
